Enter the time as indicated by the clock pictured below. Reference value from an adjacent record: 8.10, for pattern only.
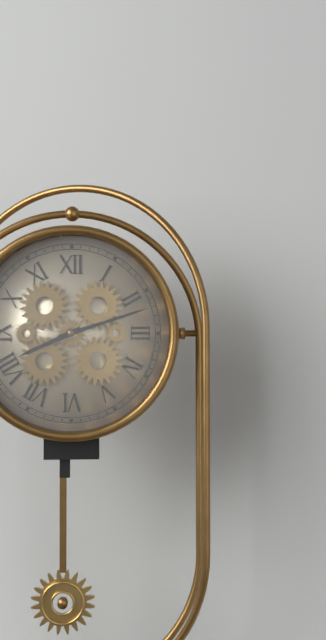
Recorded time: 8.12
